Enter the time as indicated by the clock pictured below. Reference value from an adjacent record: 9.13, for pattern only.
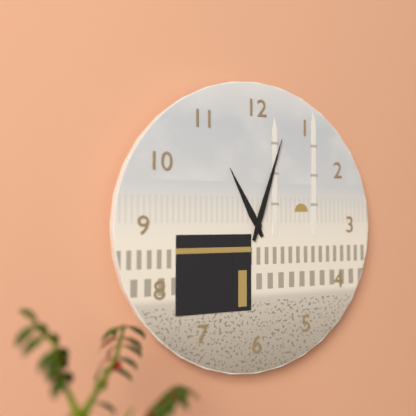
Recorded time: 11.03
